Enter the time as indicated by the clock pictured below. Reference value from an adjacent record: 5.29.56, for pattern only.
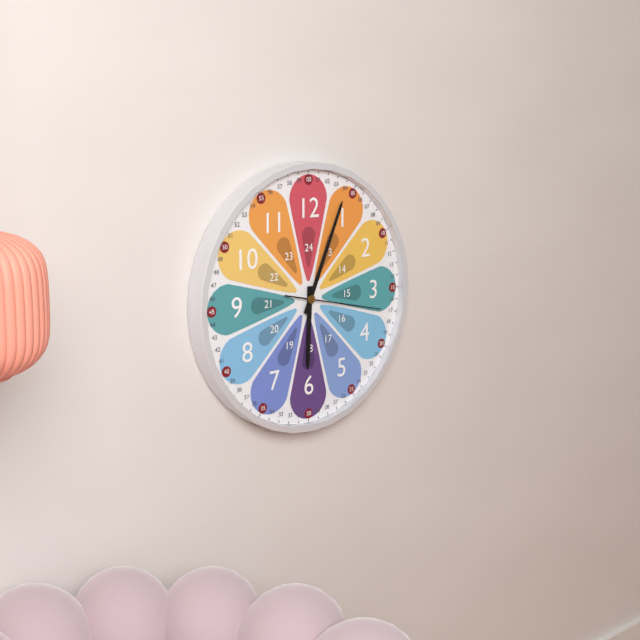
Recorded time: 6.04.17
